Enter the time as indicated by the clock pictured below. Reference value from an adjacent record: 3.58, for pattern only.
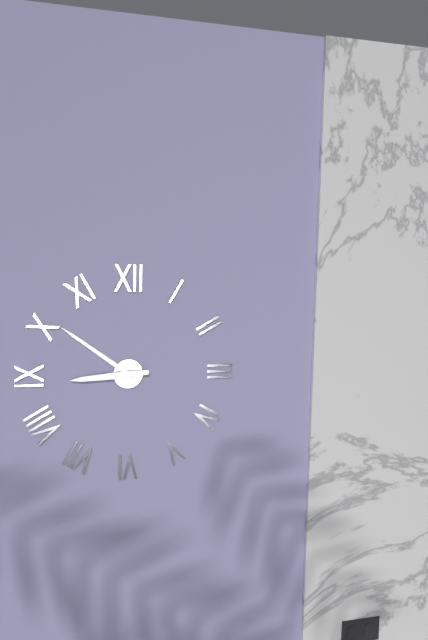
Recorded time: 8.51
